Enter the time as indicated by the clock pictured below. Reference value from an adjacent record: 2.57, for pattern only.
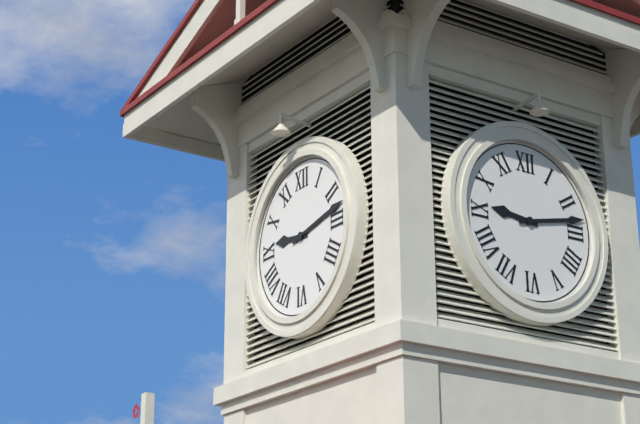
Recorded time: 9.13
